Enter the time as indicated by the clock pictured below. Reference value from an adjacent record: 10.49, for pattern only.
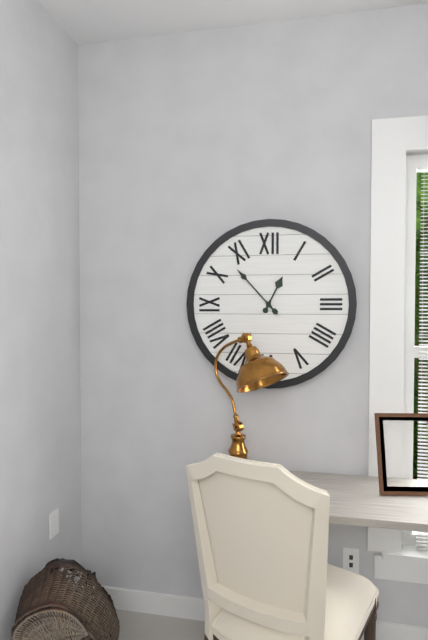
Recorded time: 12.53
